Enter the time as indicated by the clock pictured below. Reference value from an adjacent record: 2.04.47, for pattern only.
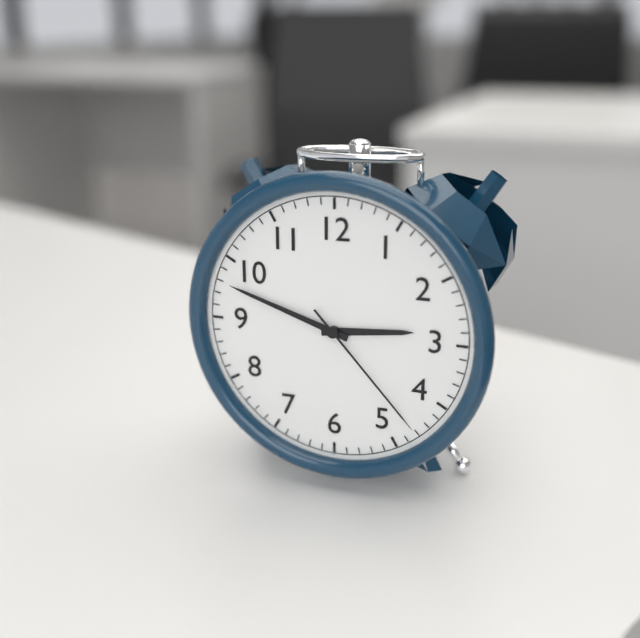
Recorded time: 2.48.23
